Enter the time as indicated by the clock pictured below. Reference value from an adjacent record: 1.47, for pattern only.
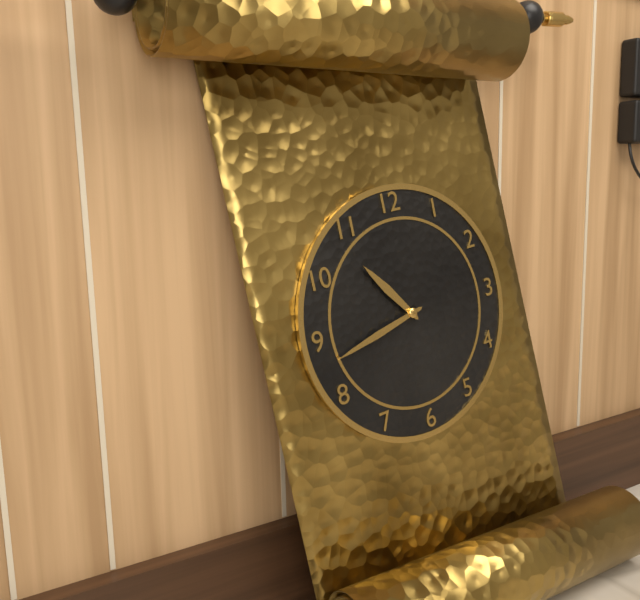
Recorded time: 10.43
